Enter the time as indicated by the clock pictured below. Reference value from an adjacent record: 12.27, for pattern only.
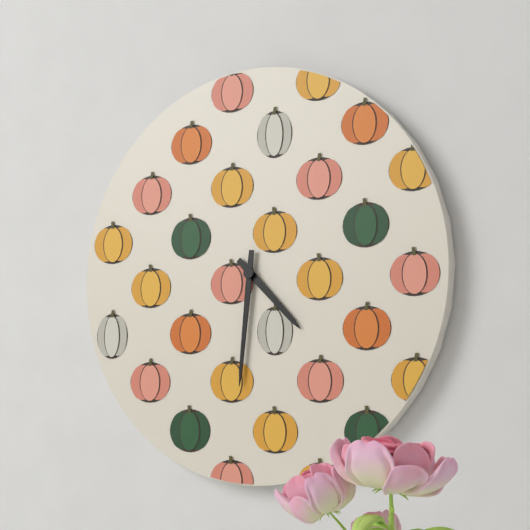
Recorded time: 4.31
